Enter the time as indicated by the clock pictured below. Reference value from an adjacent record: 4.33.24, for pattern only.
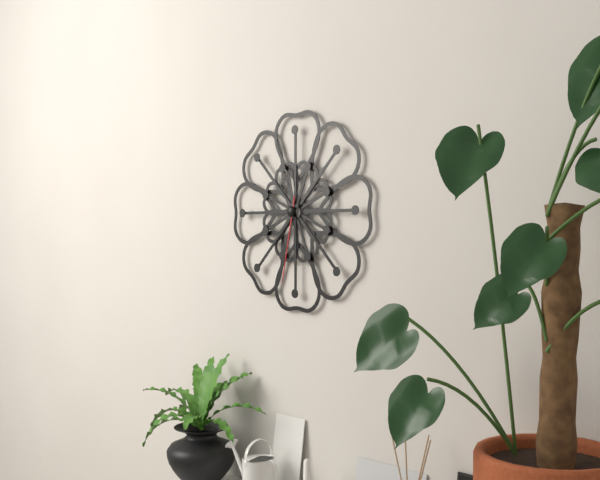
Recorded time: 11.37.32
